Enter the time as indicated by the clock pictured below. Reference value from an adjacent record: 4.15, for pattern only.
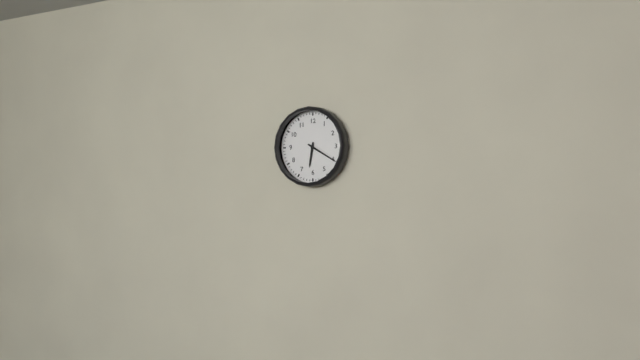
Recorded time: 6.20
